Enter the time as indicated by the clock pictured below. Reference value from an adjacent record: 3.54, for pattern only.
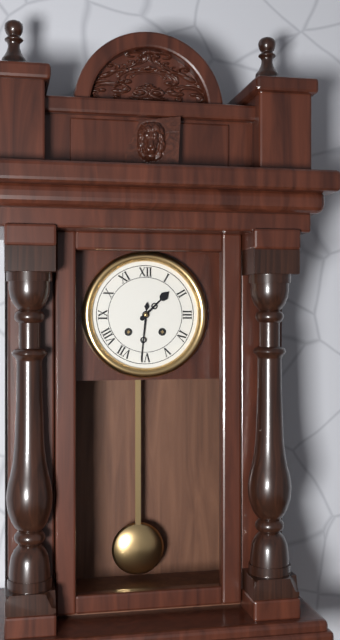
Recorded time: 1.31
